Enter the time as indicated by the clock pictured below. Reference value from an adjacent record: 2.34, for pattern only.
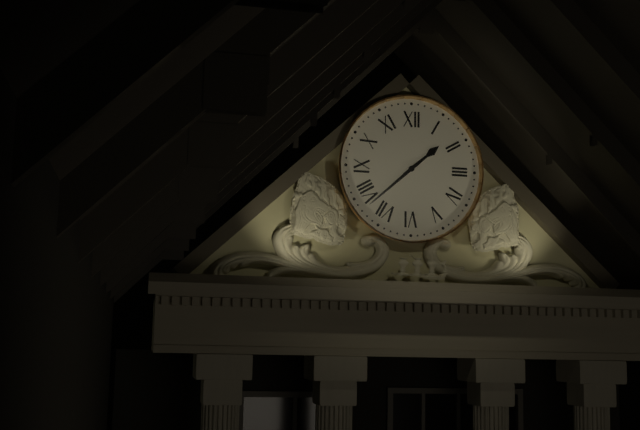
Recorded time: 1.38
